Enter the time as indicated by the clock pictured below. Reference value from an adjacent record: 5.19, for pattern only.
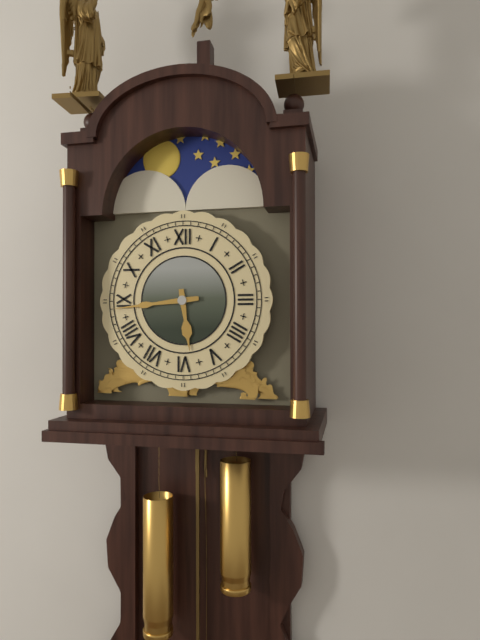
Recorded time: 5.44
